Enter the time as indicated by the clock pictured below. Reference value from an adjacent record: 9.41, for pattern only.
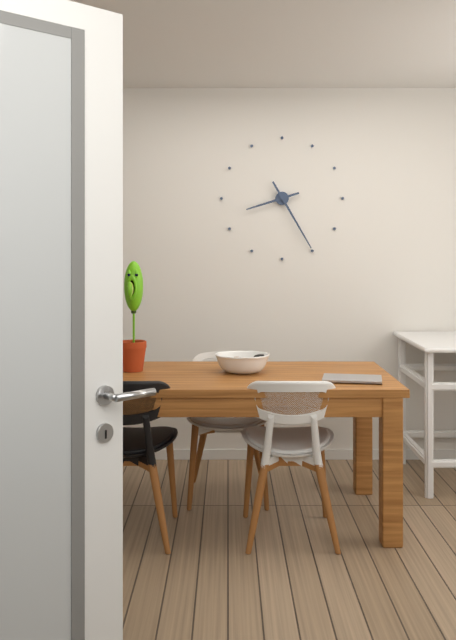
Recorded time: 8.25
